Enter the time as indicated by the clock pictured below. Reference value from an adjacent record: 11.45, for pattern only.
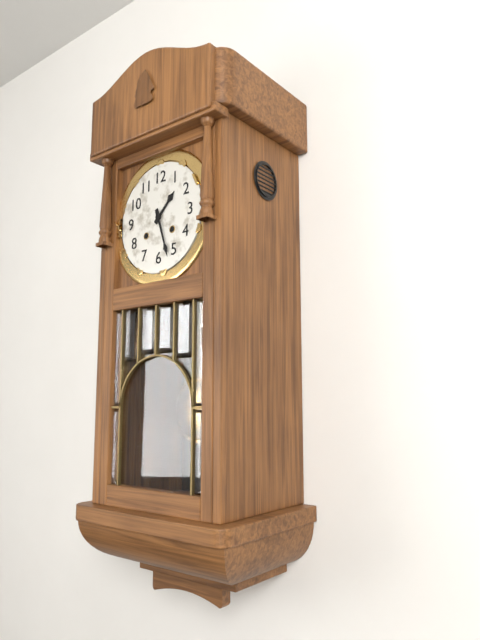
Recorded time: 1.27
